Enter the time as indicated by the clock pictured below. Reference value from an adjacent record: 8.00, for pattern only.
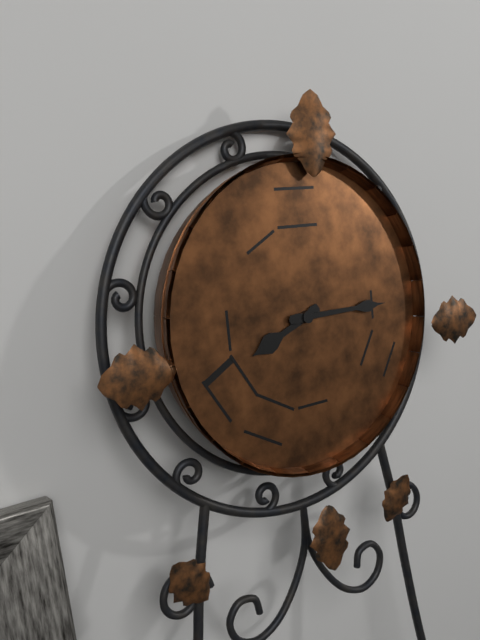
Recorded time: 8.15
